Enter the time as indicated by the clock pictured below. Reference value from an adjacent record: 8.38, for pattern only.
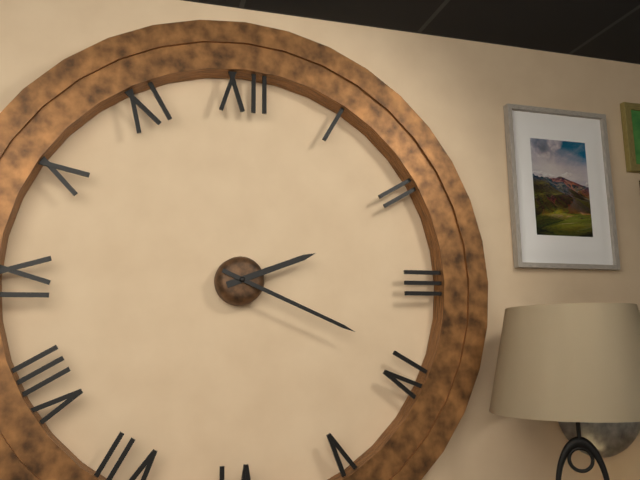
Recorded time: 2.19
